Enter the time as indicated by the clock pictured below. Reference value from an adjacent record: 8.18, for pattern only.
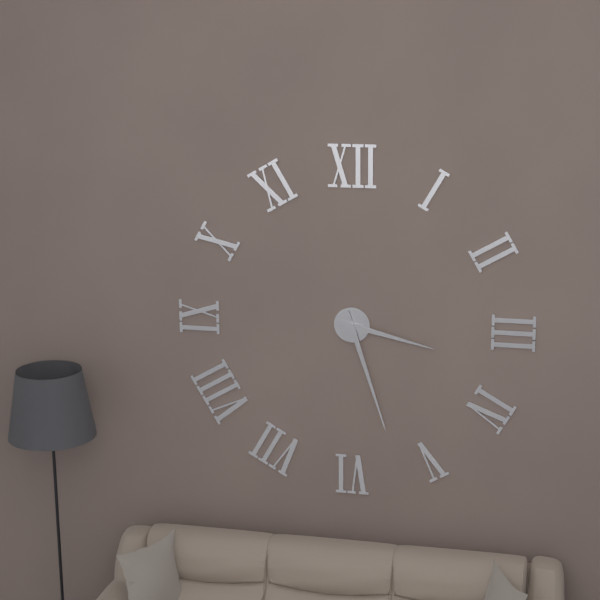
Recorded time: 3.27
